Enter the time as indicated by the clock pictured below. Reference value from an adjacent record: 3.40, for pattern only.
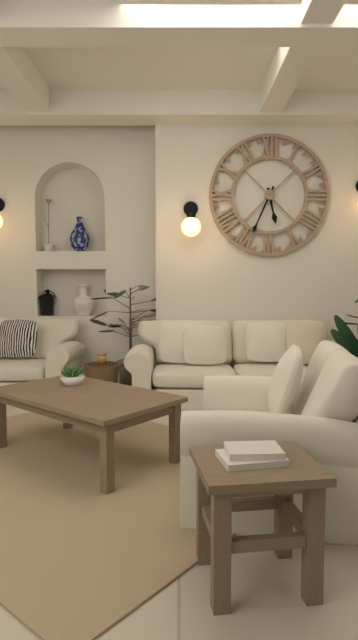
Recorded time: 5.34
